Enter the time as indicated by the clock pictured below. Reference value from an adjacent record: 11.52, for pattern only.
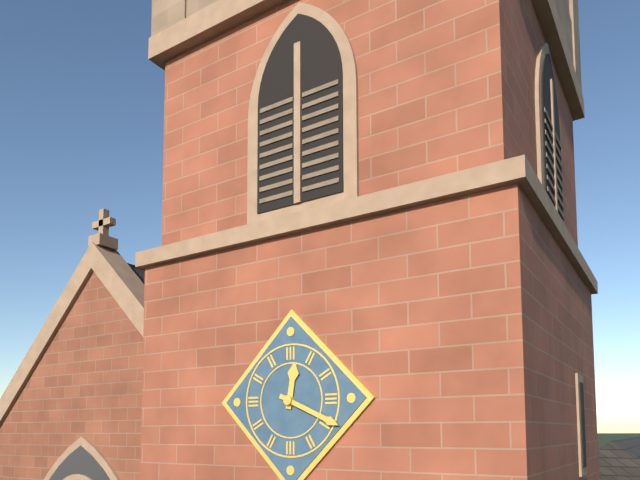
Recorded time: 12.19
